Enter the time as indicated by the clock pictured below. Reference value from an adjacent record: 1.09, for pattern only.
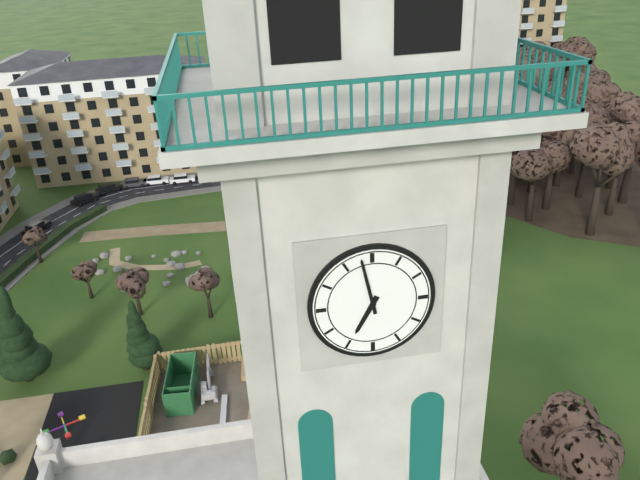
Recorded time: 6.58
